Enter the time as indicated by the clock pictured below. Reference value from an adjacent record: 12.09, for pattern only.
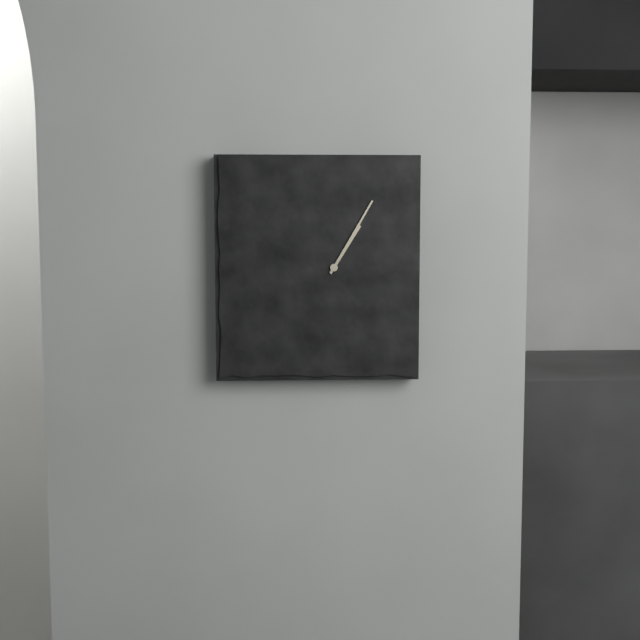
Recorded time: 1.05
